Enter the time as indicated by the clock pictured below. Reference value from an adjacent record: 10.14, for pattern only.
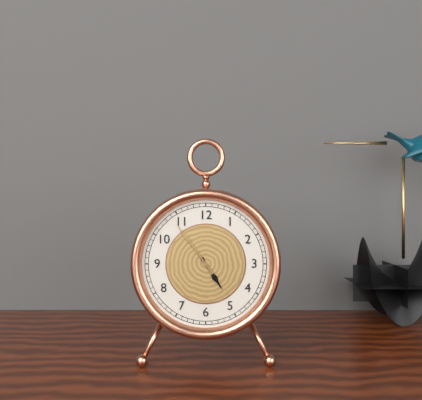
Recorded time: 4.54
